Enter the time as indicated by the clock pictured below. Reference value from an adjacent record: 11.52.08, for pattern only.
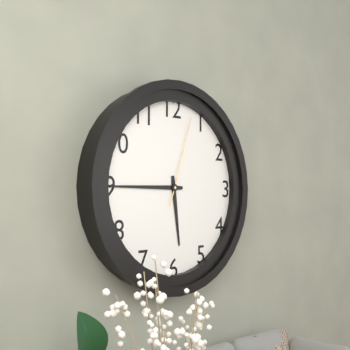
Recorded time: 5.45.03
